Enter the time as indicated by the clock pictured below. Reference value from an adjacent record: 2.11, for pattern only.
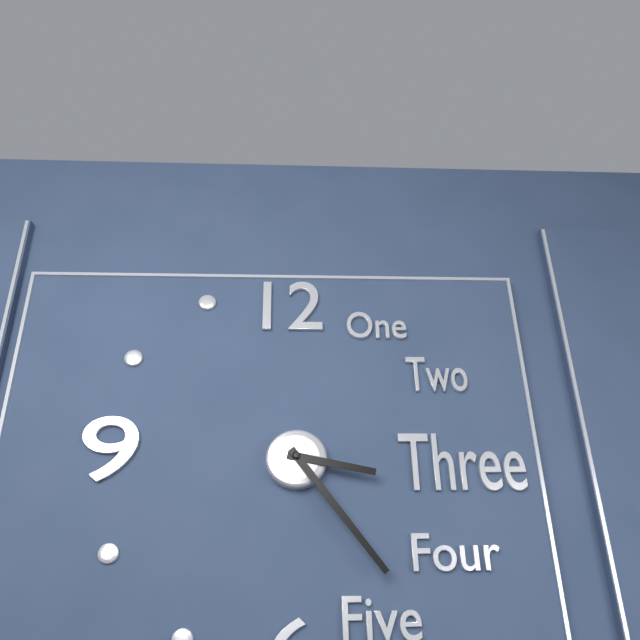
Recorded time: 3.24
